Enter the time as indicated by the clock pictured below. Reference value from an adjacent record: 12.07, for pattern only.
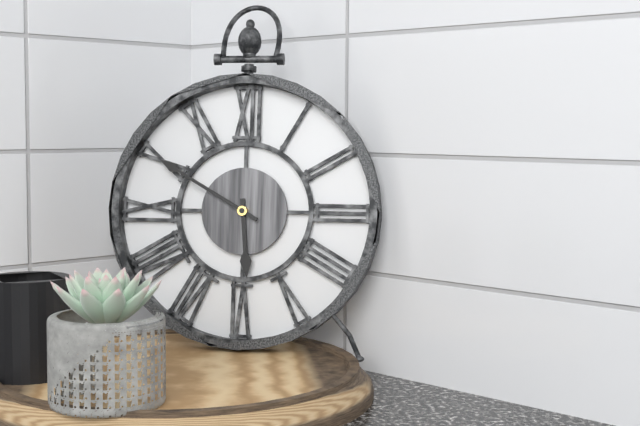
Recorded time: 5.50
